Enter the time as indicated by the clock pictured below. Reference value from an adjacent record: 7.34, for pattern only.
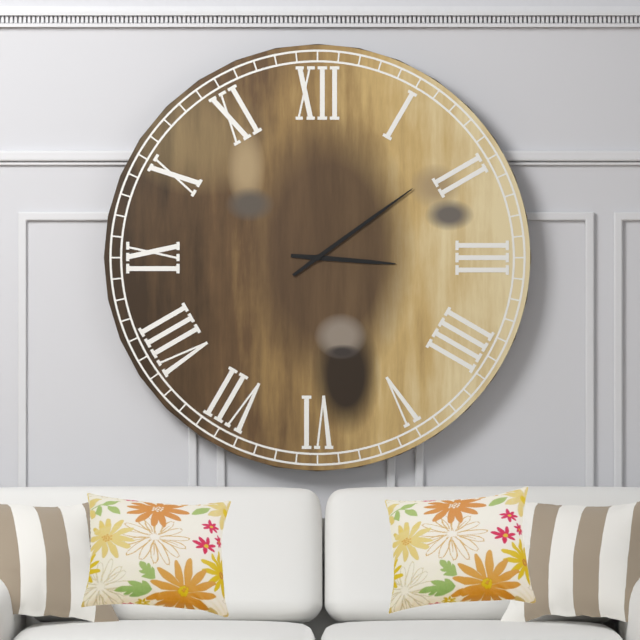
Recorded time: 3.09
